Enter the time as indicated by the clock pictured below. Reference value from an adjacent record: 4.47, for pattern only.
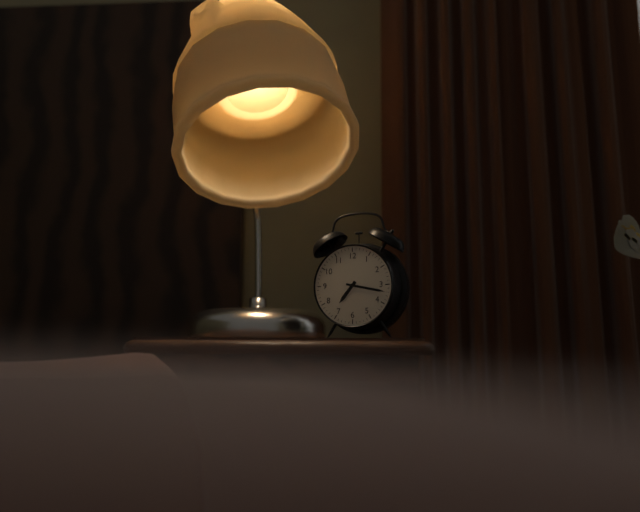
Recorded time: 7.17
